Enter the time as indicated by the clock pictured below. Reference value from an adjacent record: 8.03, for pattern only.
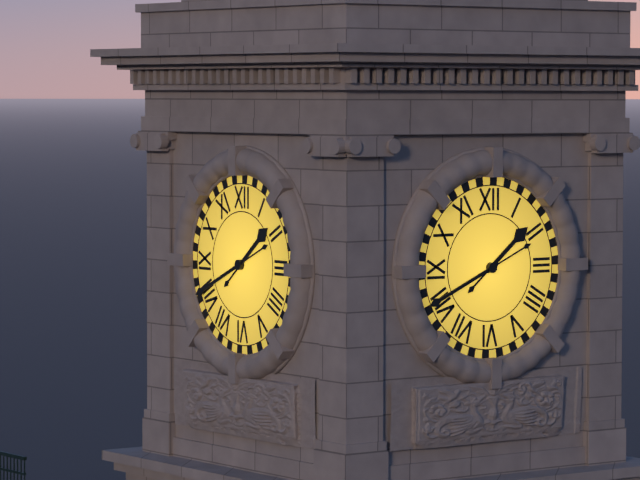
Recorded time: 1.41
